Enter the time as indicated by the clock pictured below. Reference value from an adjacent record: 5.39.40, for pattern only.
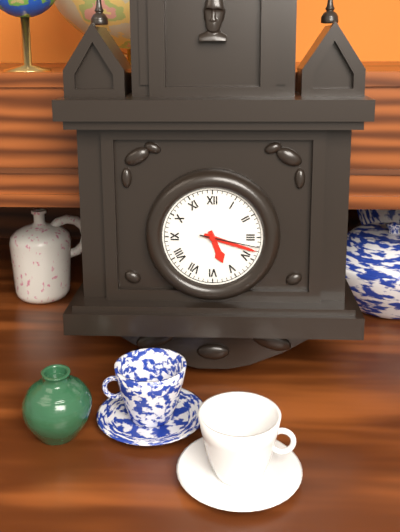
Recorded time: 5.18.17
